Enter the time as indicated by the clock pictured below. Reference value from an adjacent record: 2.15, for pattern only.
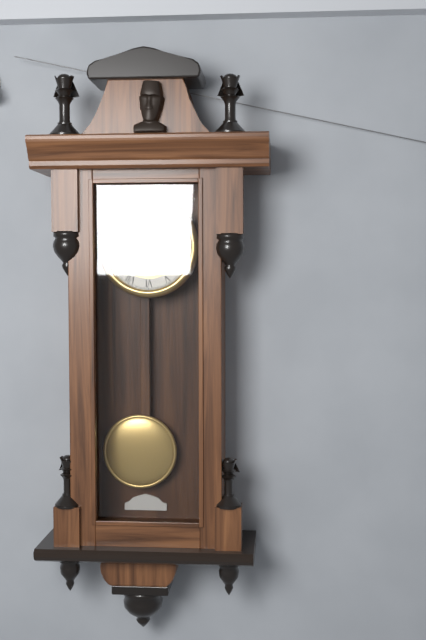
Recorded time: 5.22
